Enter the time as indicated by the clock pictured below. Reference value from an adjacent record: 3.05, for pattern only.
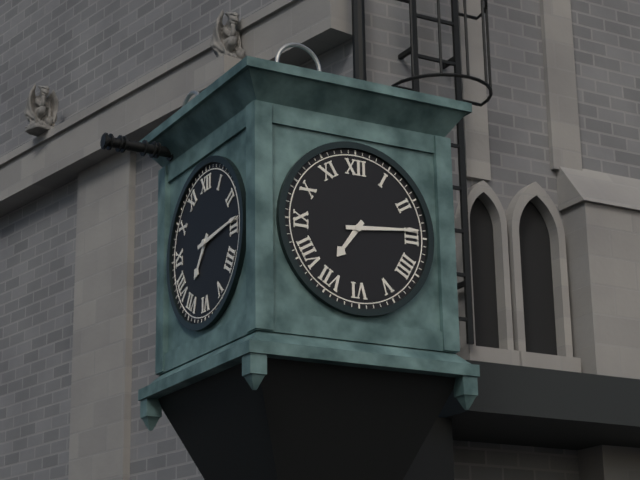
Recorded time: 7.14
